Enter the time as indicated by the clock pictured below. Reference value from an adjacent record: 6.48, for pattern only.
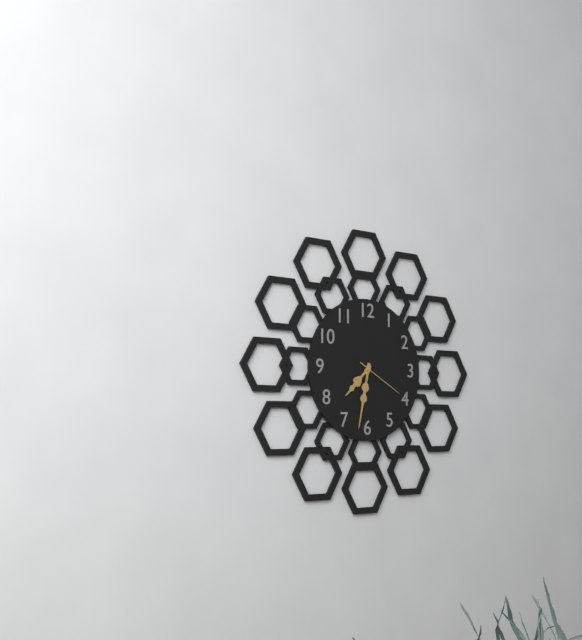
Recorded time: 7.32
